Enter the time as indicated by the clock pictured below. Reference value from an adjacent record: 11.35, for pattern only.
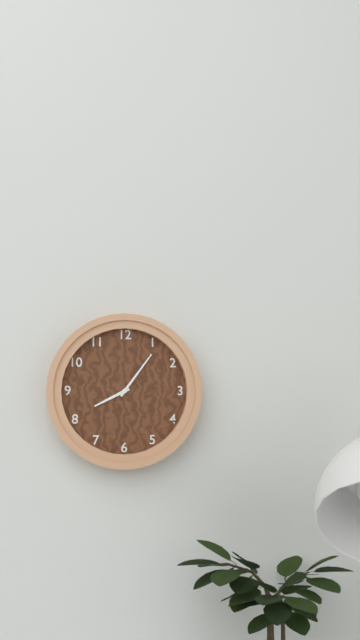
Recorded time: 8.06
